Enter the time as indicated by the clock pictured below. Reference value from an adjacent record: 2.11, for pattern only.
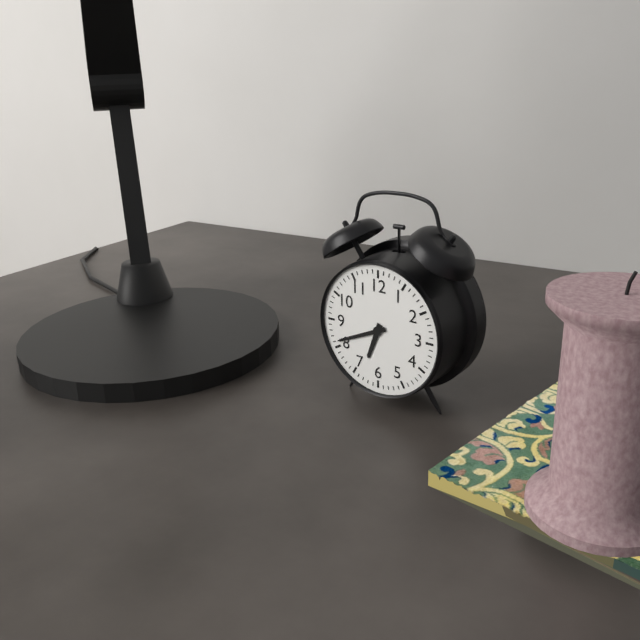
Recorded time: 6.41
